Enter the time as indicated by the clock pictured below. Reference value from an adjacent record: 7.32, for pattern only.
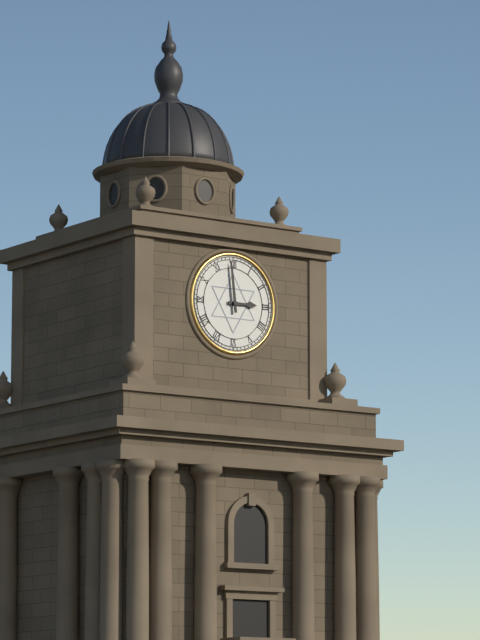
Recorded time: 2.59
